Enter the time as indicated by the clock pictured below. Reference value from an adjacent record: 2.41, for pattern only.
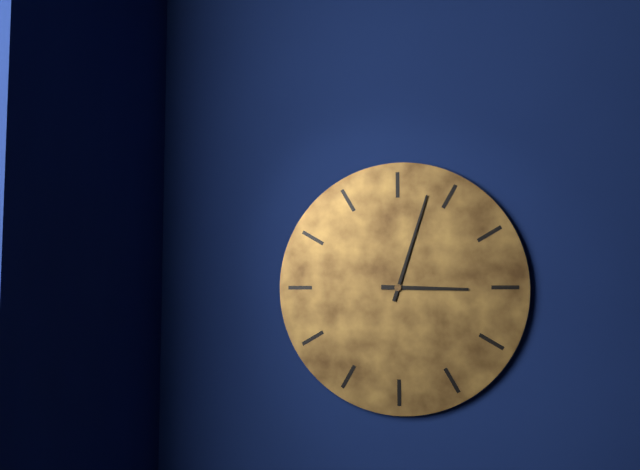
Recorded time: 3.03
